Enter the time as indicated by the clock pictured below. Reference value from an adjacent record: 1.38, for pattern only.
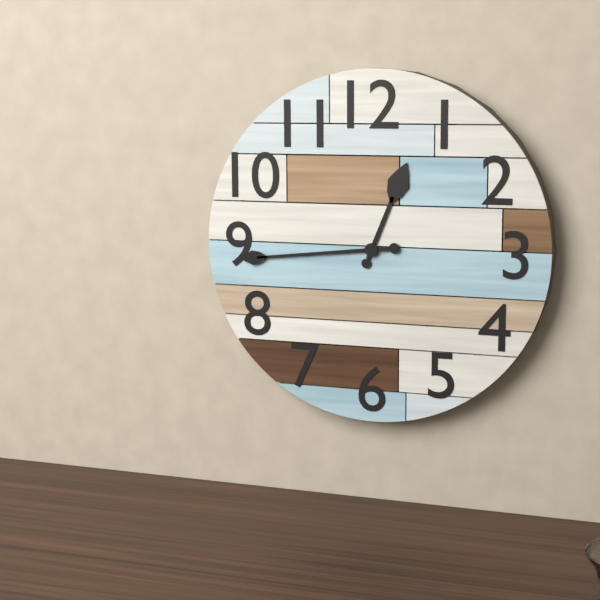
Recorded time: 12.44
